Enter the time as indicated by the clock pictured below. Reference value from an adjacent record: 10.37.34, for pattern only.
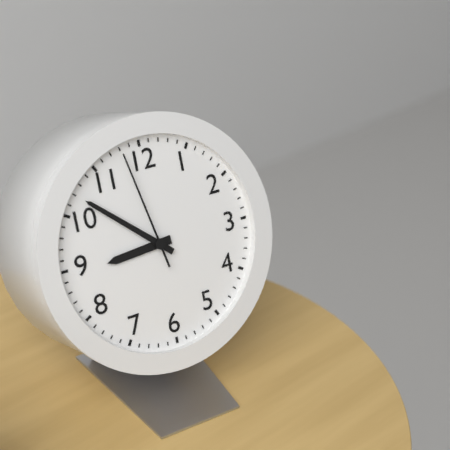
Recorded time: 8.52.58
